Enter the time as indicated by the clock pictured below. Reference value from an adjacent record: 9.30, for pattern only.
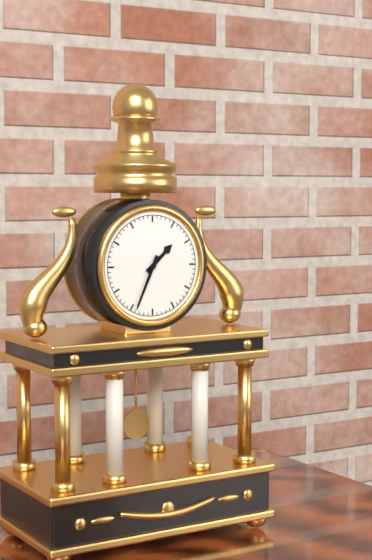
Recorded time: 1.34
